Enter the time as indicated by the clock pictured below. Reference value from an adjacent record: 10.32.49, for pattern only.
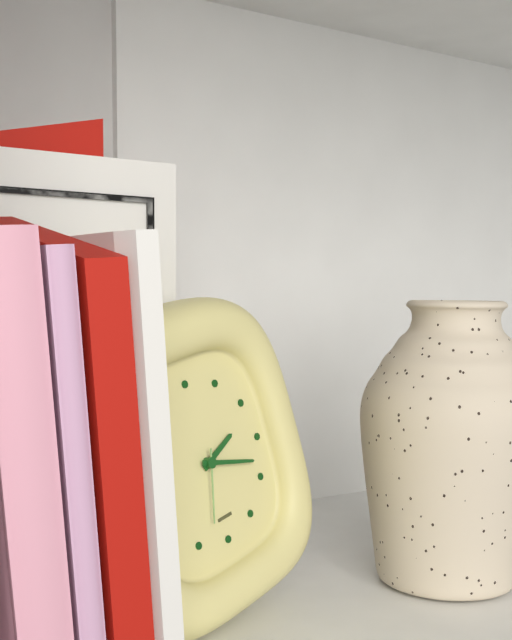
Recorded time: 2.18.33
